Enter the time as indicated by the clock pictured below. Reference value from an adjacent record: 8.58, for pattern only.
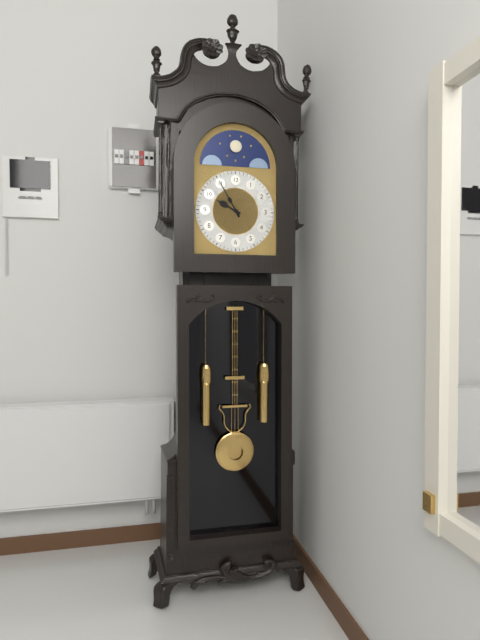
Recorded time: 9.55
